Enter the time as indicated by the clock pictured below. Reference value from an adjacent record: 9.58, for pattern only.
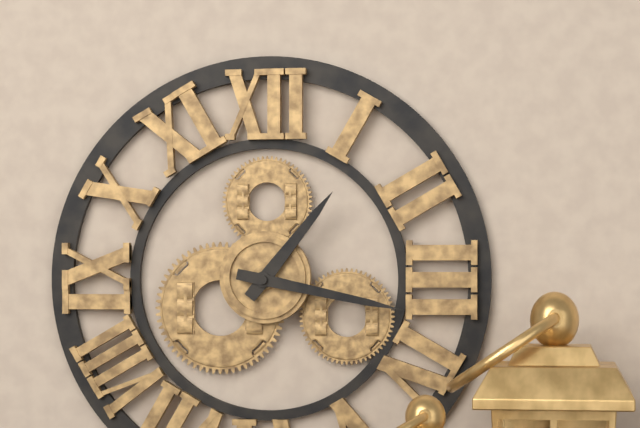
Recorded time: 1.17
